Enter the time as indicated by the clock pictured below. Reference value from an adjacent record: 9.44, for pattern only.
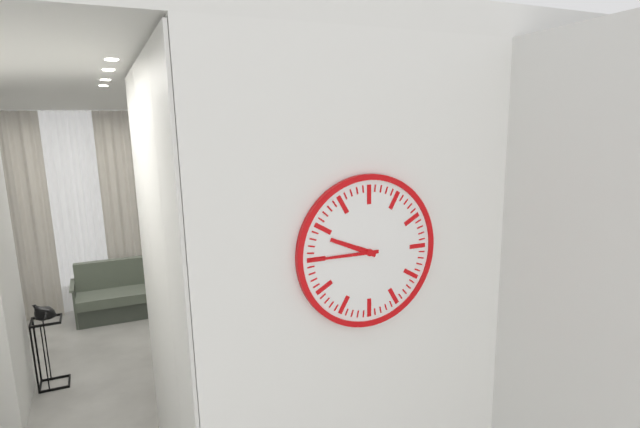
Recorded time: 9.45
